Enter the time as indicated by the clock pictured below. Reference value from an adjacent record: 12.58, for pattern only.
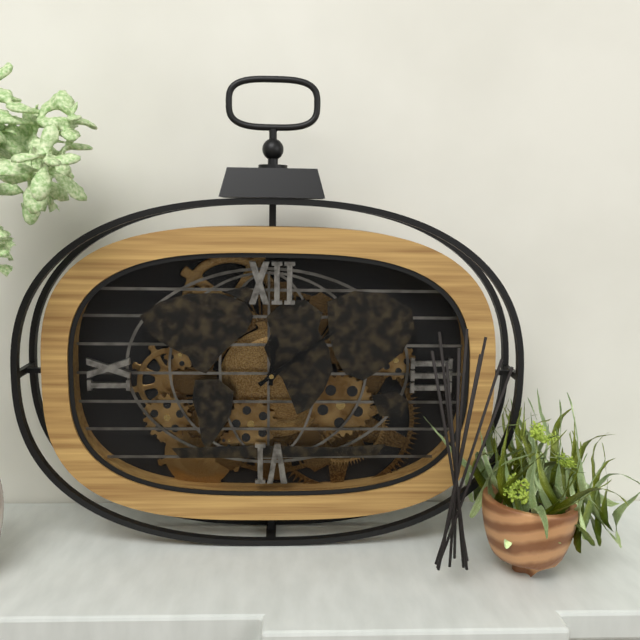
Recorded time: 12.09
